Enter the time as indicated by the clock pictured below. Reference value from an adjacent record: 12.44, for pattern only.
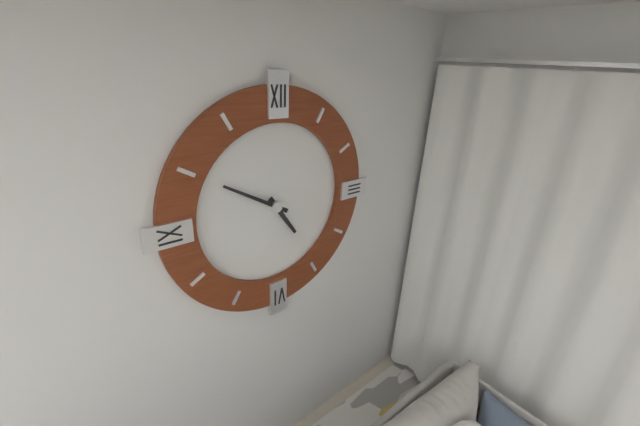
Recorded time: 4.50
